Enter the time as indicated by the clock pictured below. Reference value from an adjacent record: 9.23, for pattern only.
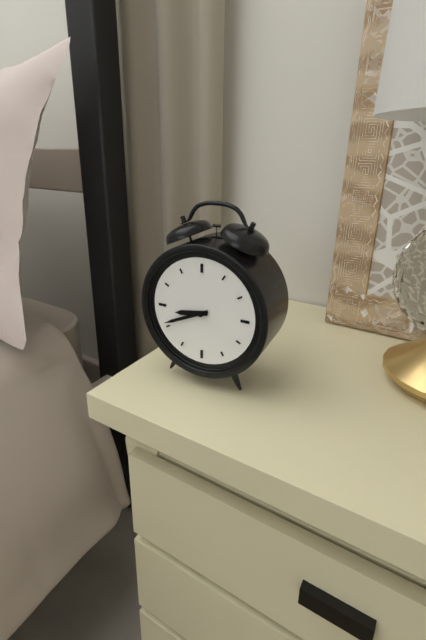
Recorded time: 8.41
